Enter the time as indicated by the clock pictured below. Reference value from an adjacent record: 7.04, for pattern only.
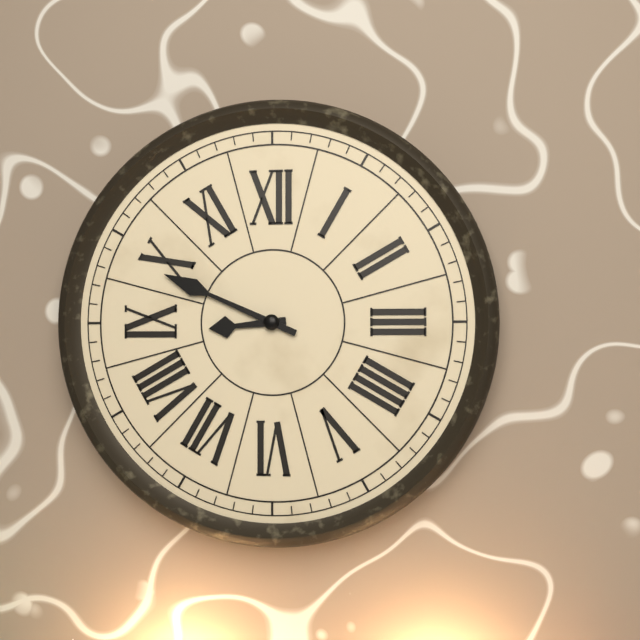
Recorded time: 8.49
